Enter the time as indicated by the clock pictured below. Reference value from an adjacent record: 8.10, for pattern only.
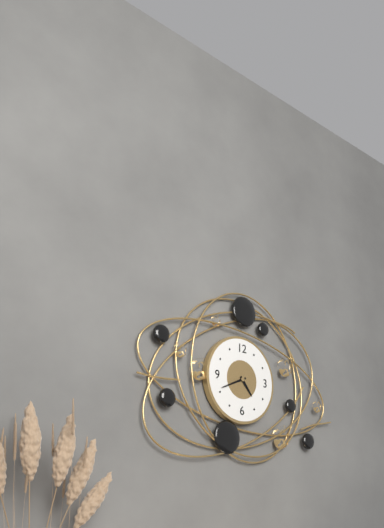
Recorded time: 4.41
